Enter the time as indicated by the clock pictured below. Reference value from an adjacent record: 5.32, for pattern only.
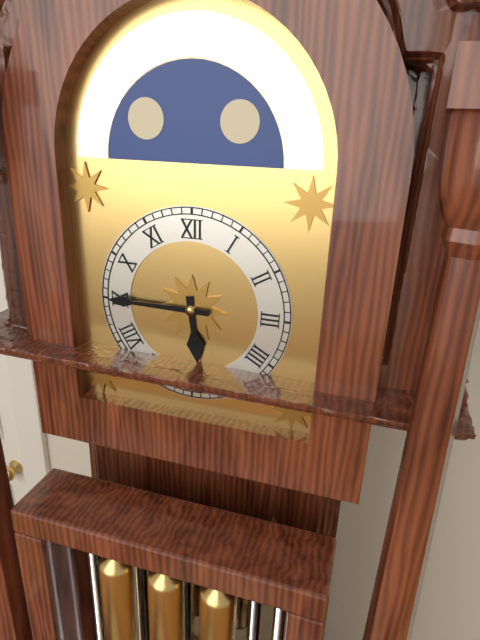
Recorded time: 5.45
